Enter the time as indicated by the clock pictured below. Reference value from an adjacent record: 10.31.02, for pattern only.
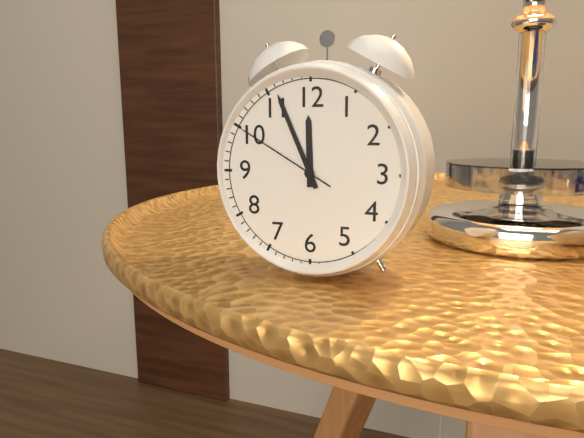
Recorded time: 11.56.50
